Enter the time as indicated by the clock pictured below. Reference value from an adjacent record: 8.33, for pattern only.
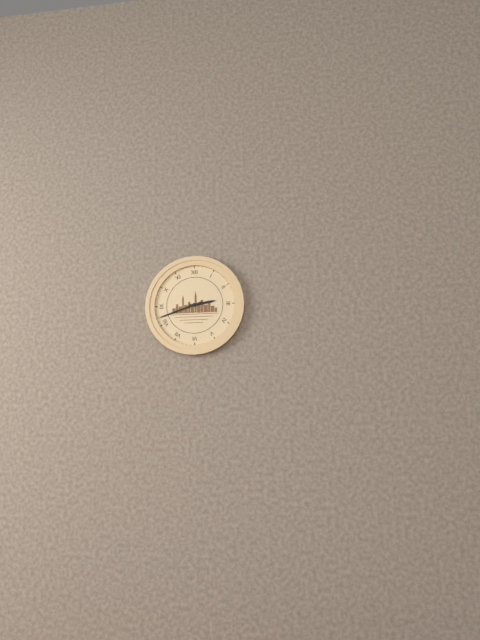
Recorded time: 2.42
